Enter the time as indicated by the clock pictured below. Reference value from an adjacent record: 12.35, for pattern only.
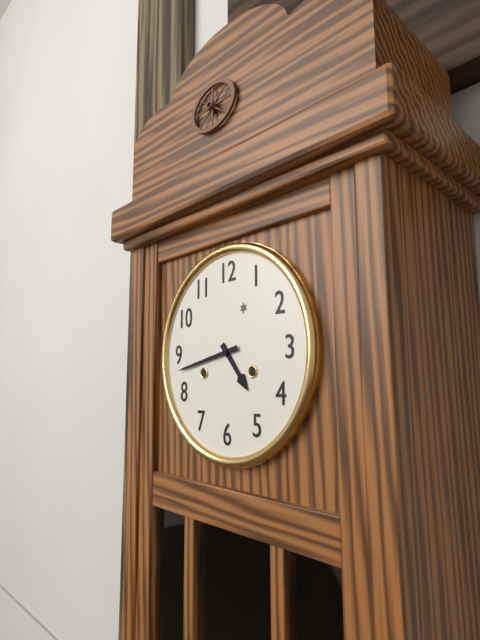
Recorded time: 4.43
